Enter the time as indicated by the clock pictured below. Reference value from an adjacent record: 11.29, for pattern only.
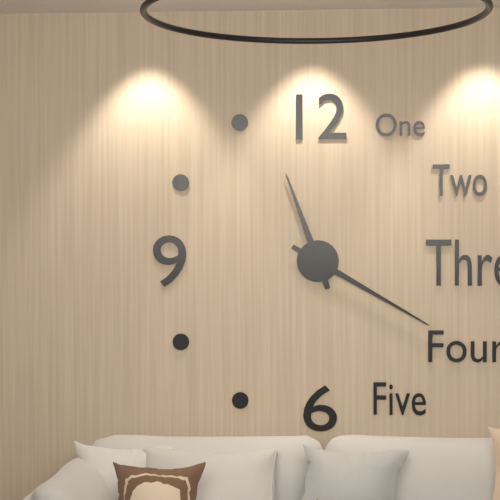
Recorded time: 11.20
